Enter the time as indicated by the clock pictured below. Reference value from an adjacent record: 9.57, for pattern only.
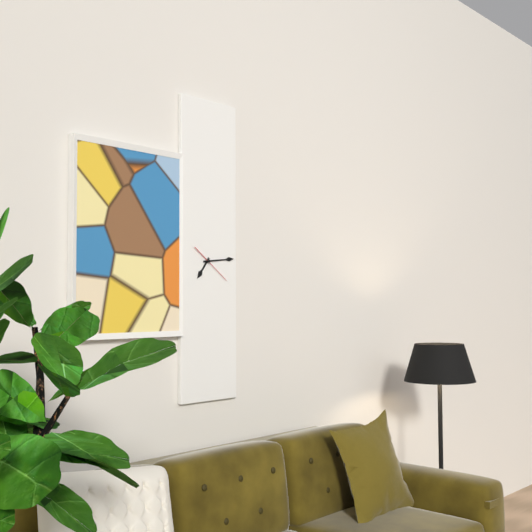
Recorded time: 7.14
